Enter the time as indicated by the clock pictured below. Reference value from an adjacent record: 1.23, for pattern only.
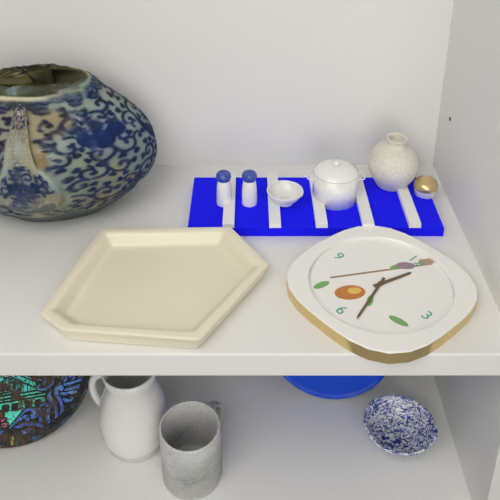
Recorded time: 12.27
